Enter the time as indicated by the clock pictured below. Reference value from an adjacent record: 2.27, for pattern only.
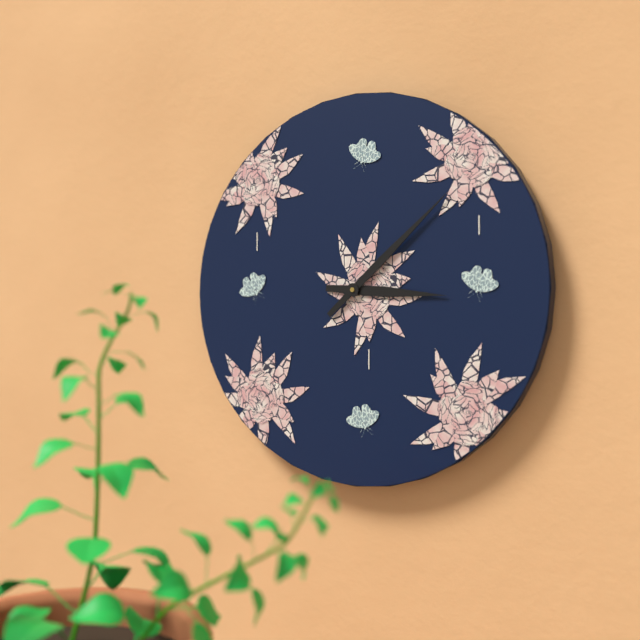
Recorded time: 3.08
